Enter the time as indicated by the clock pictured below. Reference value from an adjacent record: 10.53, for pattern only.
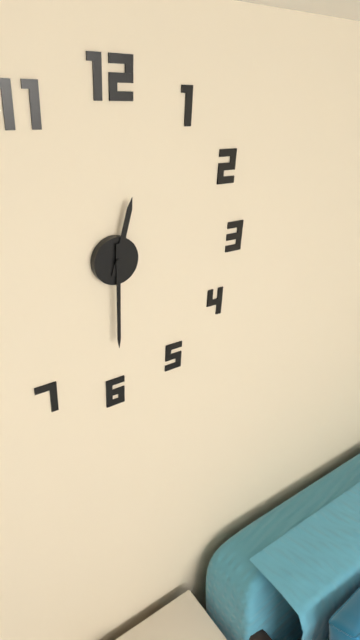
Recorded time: 12.30
